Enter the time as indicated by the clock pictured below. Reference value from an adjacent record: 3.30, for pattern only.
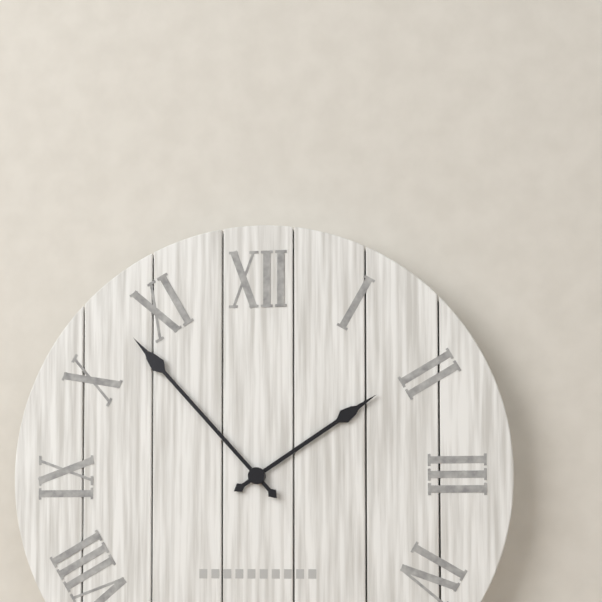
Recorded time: 1.53
